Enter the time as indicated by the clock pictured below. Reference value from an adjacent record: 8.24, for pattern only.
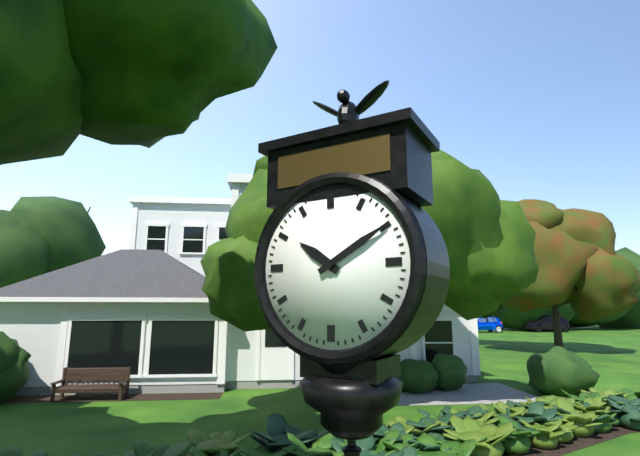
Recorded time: 10.10
